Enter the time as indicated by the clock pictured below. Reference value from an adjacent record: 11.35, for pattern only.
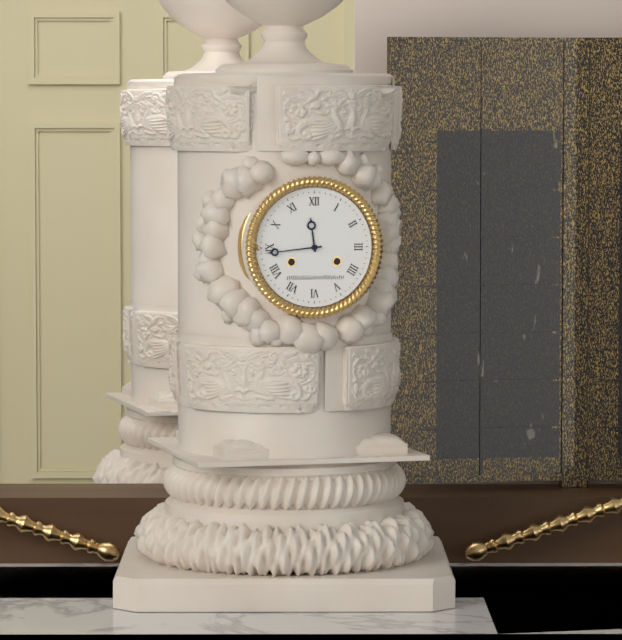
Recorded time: 11.44
